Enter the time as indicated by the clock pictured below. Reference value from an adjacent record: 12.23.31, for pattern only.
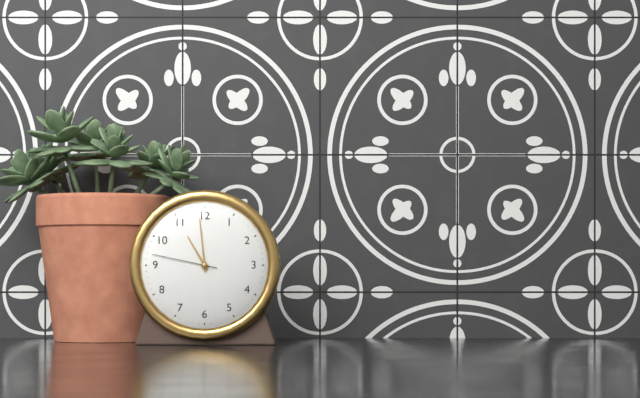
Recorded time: 10.59.47
